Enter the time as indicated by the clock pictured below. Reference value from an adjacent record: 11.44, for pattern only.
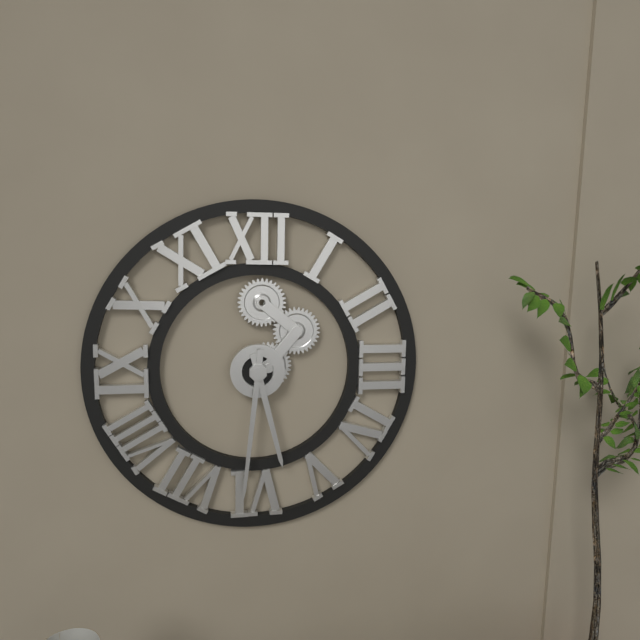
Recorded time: 5.31
